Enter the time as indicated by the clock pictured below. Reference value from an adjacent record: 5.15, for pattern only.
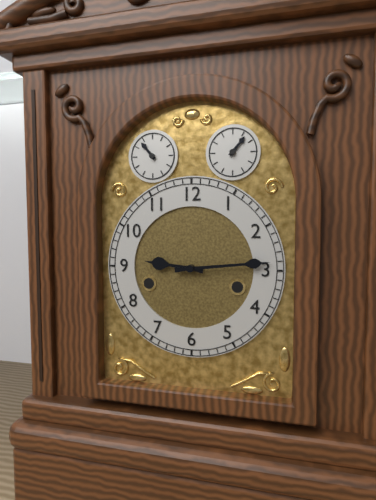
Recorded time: 9.14
